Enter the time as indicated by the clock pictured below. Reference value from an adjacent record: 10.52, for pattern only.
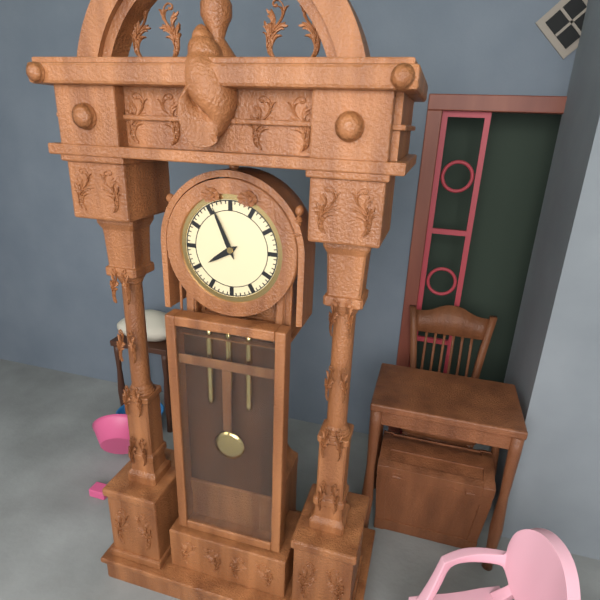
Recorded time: 7.56
